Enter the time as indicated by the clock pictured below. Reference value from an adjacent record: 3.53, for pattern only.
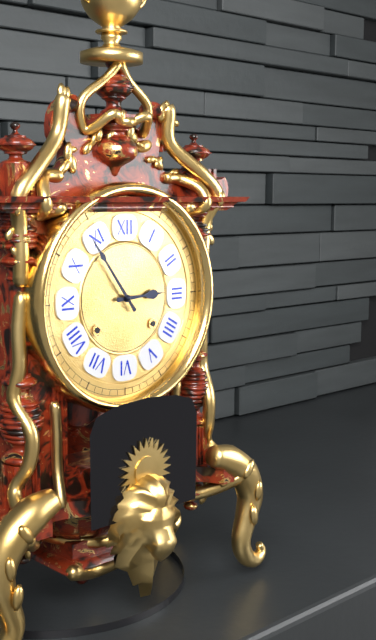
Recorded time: 2.54
